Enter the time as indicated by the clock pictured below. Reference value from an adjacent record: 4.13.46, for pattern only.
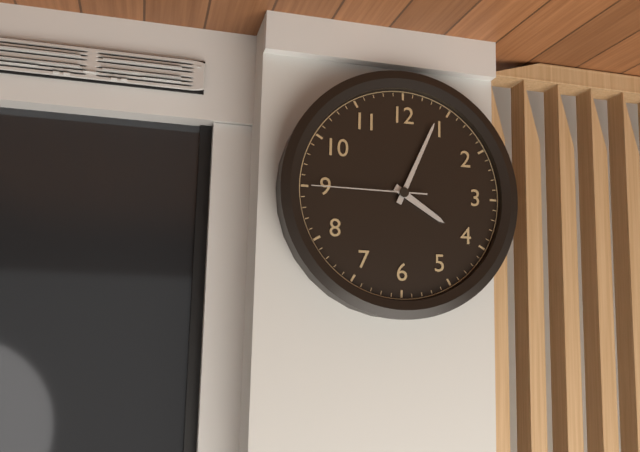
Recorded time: 4.04.45
